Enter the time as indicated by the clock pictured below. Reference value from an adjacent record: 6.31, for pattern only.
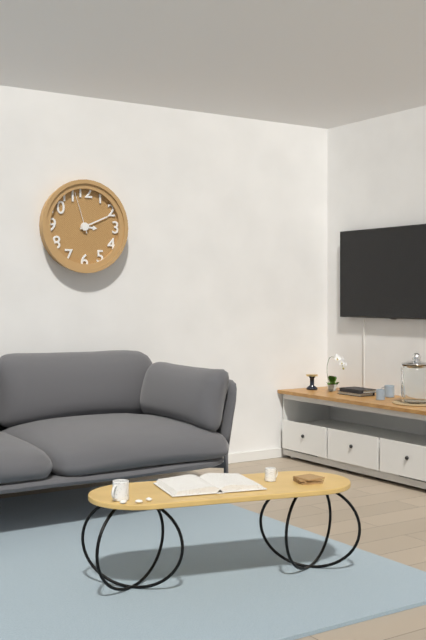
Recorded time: 3.11
